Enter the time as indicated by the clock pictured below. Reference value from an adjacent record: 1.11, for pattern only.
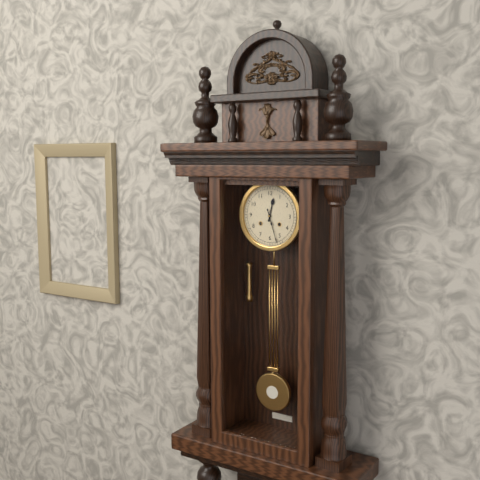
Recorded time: 12.27
